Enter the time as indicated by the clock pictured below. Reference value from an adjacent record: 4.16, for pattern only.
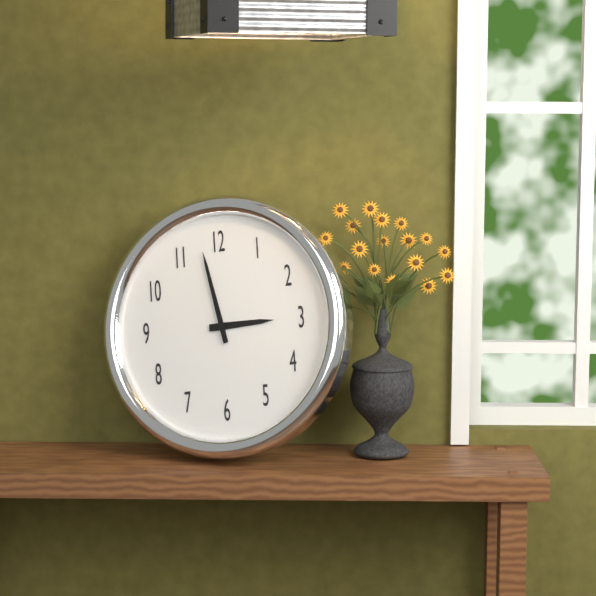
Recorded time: 2.58
